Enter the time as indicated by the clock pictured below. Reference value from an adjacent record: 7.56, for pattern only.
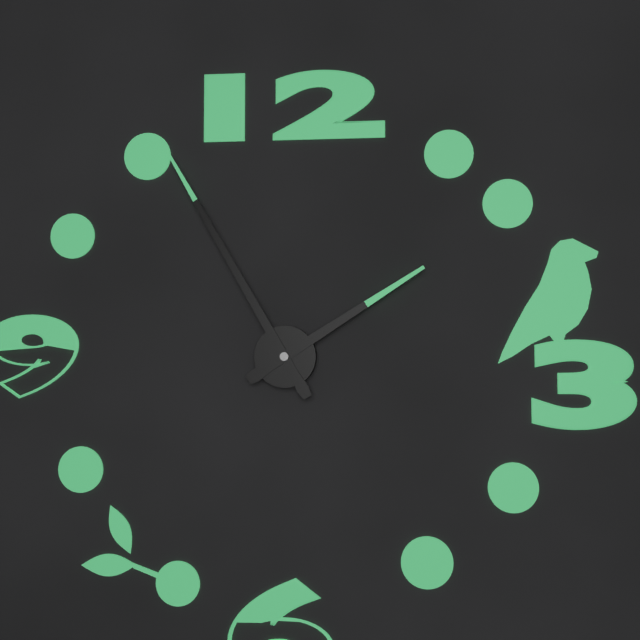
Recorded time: 1.55
